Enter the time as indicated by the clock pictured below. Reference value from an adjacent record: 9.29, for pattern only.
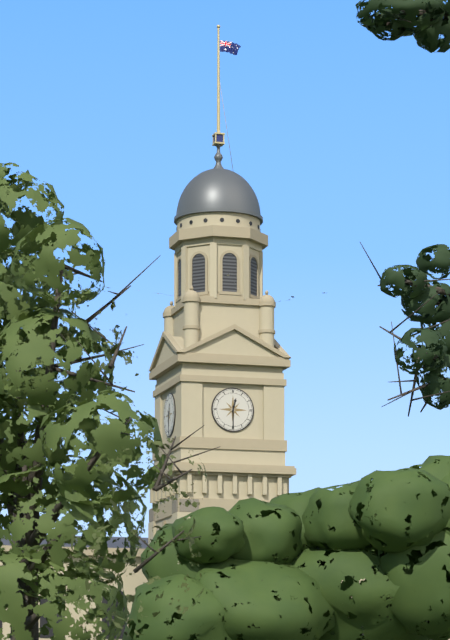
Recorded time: 12.30
